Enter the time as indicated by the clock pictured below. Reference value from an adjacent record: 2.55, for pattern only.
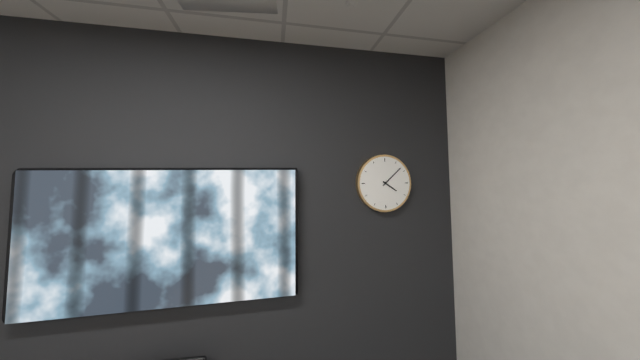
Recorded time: 4.08
